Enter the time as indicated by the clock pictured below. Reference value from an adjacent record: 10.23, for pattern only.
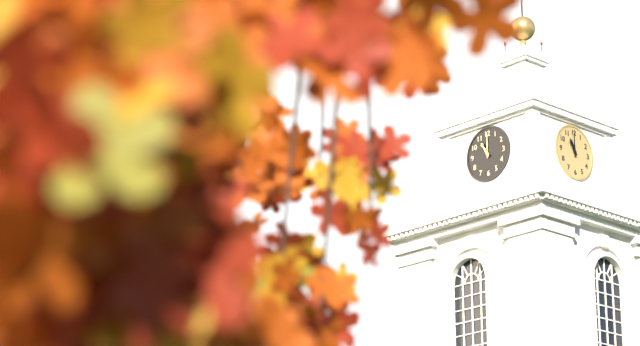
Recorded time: 11.00
